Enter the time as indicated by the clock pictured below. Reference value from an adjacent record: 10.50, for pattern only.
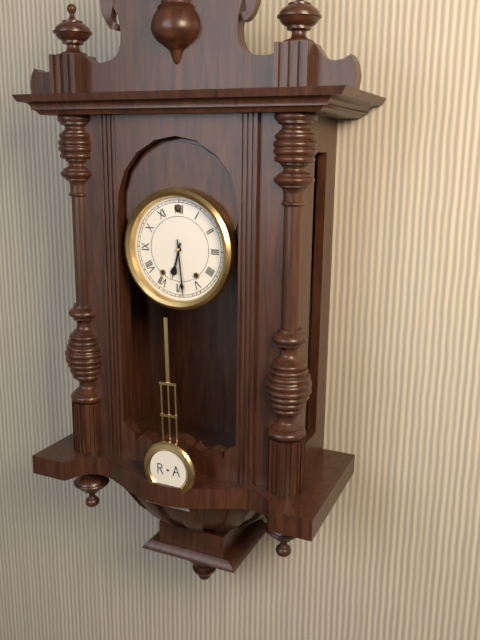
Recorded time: 6.29
